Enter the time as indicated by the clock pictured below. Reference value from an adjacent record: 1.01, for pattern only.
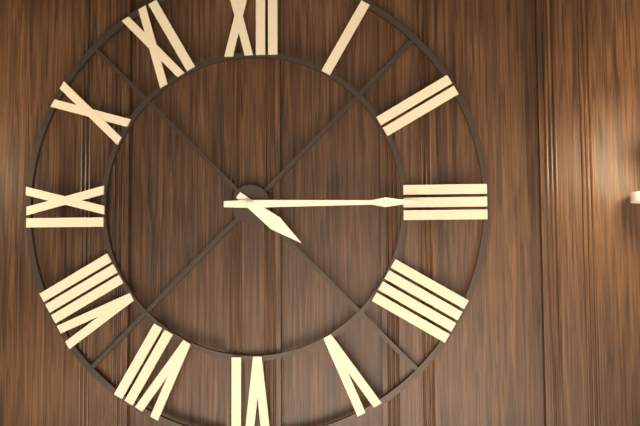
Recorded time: 4.15
